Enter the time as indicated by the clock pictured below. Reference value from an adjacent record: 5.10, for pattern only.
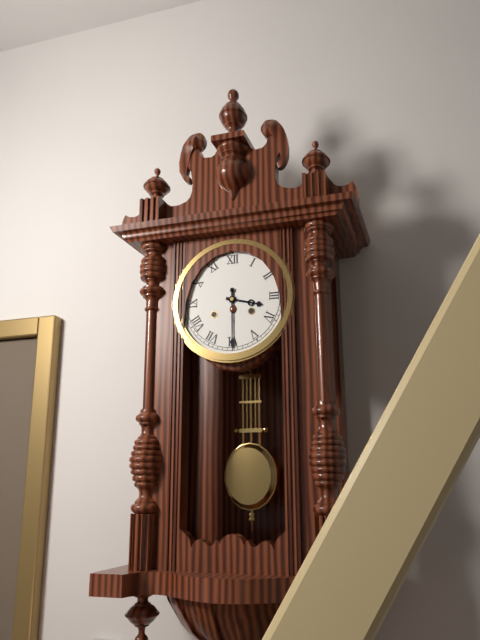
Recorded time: 3.30
